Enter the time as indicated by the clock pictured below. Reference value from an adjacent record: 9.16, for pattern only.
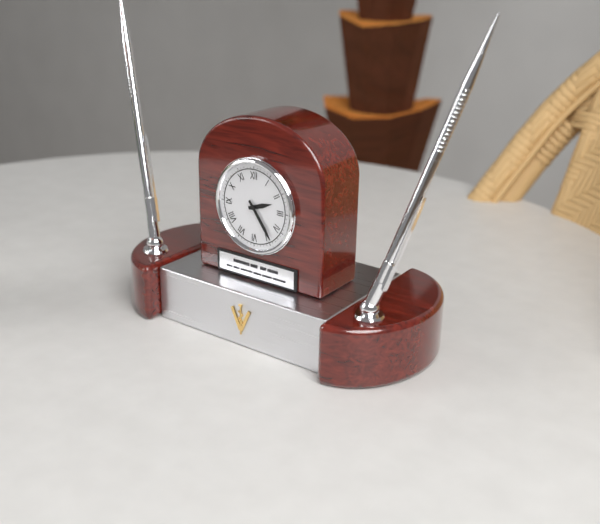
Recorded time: 2.24
